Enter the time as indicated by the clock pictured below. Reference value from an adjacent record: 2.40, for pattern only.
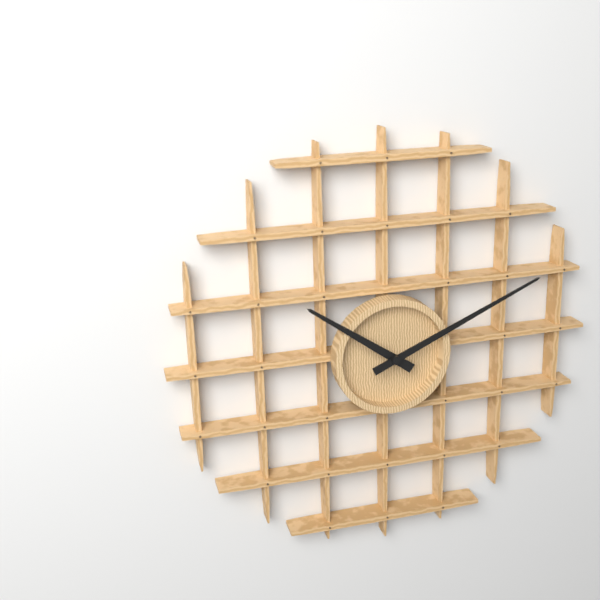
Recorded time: 10.11
